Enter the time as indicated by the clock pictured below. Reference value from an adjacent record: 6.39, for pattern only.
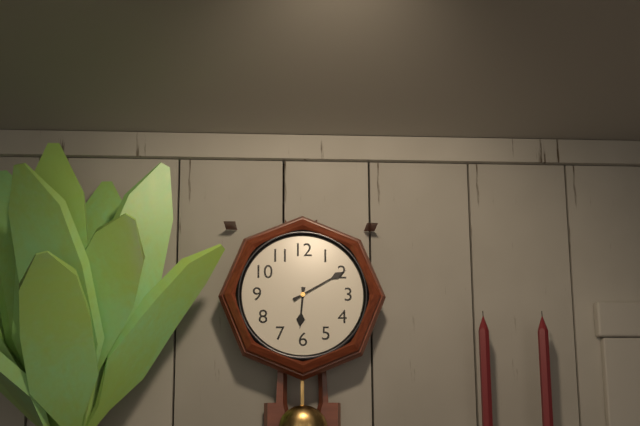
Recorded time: 6.10
